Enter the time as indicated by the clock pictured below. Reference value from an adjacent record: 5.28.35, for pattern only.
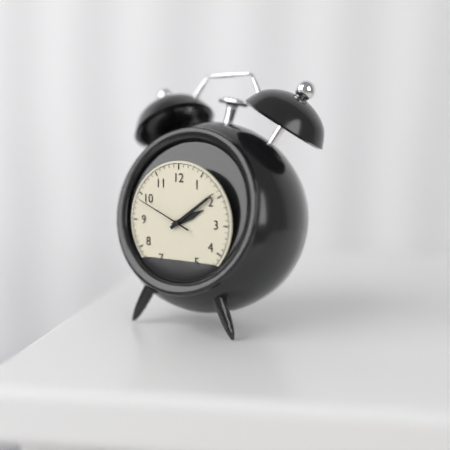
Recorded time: 2.09.49
